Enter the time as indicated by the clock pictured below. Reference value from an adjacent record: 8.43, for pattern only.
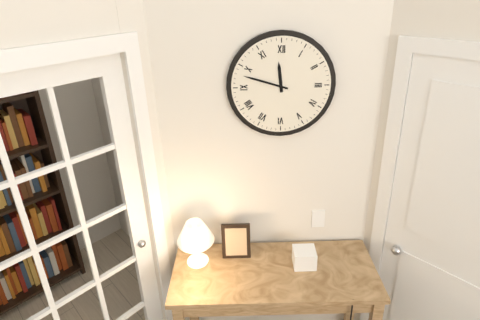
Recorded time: 11.48
